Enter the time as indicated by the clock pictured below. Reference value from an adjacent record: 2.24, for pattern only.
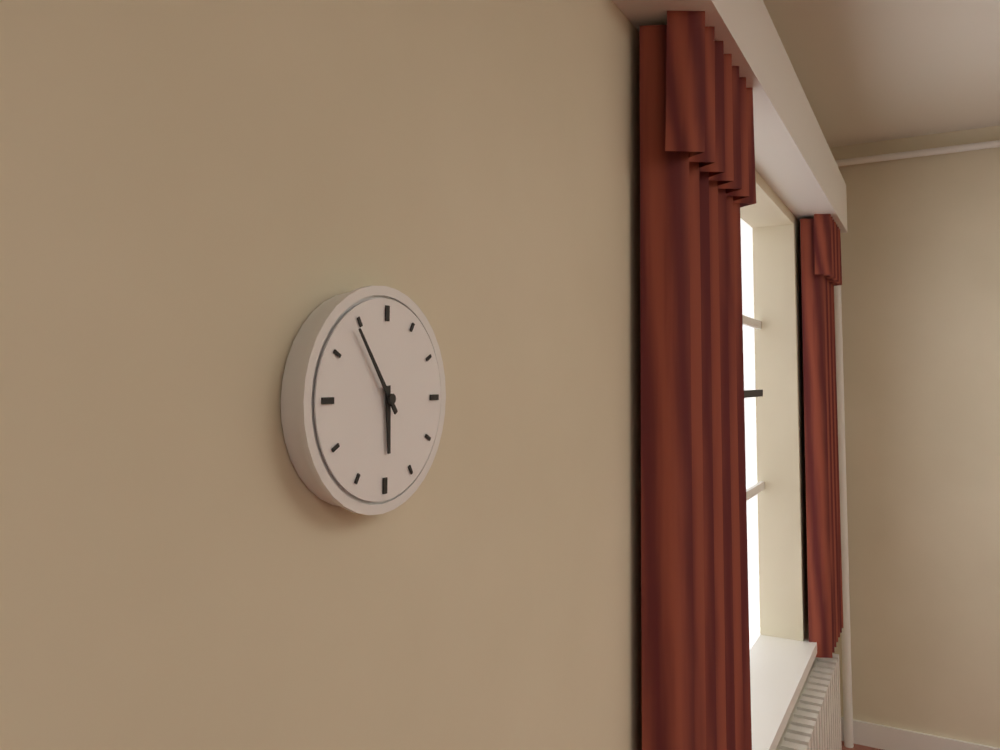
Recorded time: 5.54
